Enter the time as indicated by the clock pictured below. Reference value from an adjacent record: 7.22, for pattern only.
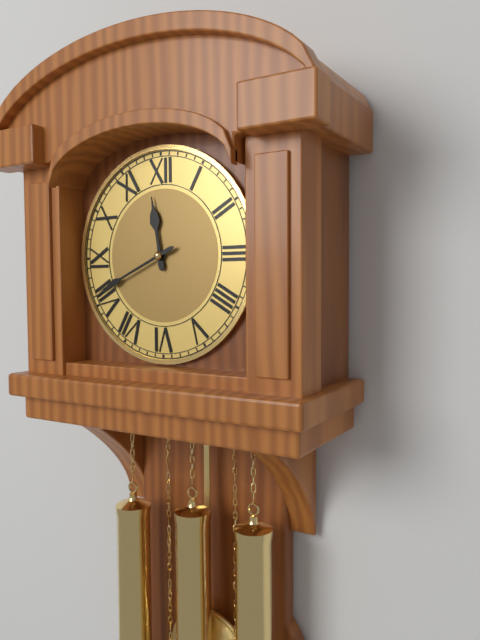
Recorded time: 11.41
